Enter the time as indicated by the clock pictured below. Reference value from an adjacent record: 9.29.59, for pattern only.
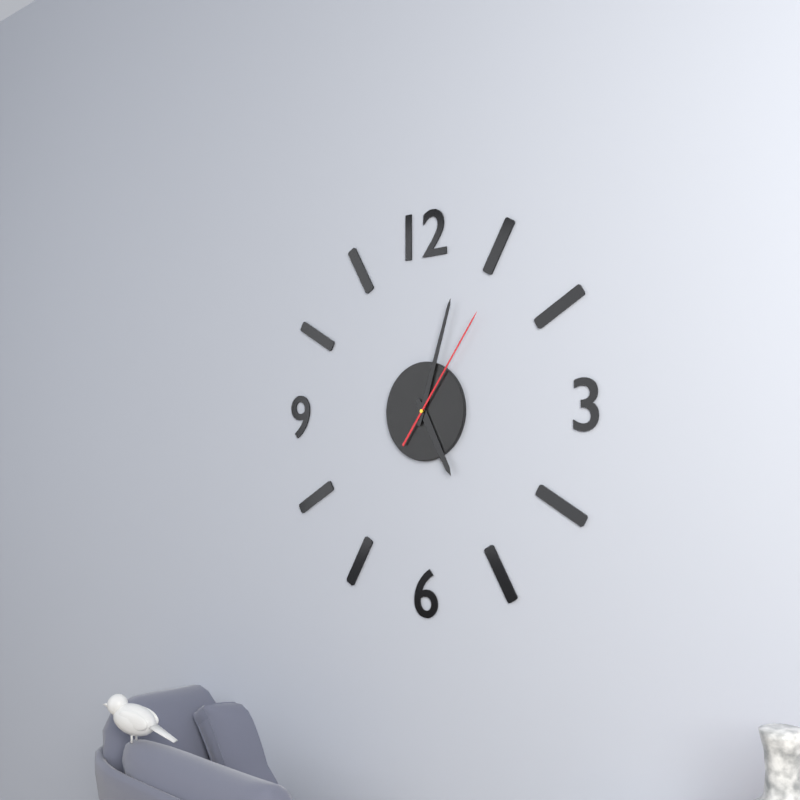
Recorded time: 5.03.06
